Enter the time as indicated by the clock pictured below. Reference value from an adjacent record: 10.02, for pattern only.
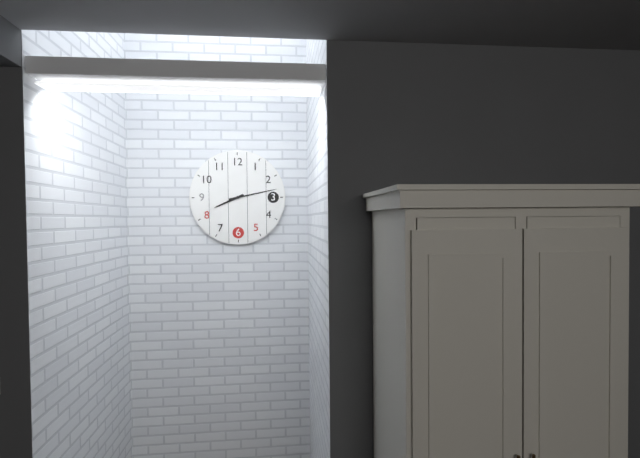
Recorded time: 8.13
